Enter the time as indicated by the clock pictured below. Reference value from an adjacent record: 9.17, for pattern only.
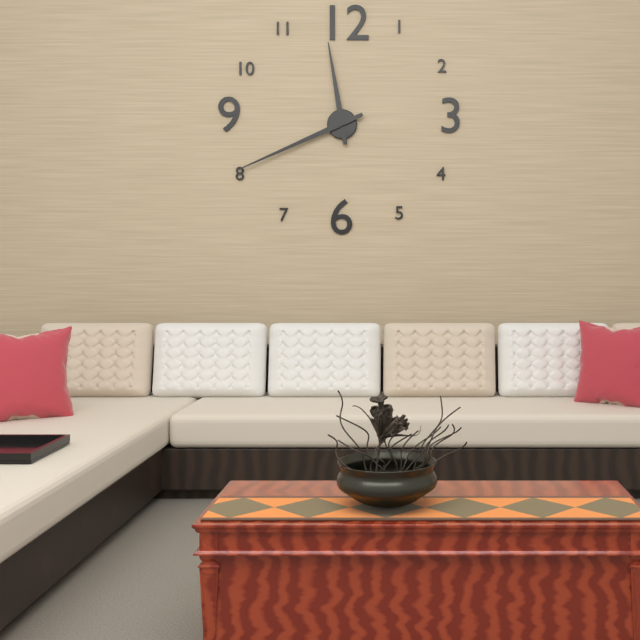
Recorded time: 11.41
